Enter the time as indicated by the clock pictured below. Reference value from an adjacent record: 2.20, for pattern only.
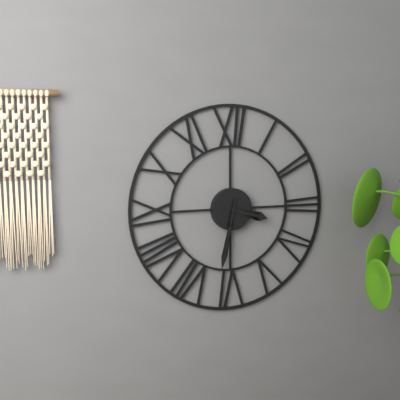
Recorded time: 3.32
